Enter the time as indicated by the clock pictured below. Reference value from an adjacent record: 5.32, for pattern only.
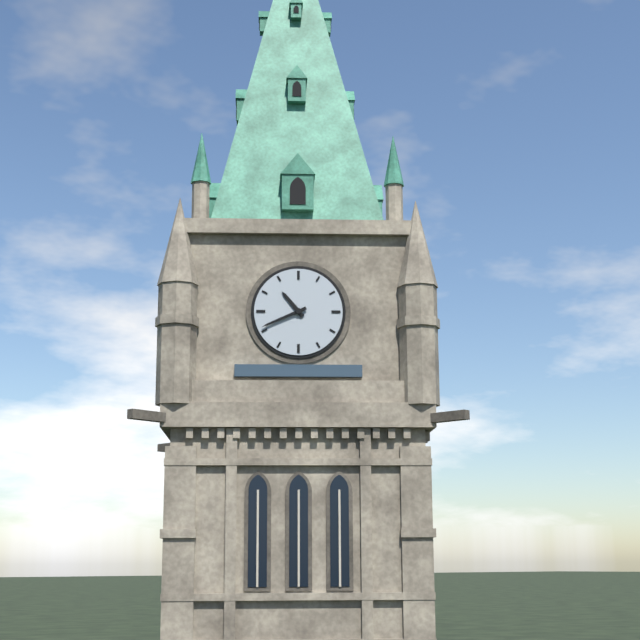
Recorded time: 10.41
